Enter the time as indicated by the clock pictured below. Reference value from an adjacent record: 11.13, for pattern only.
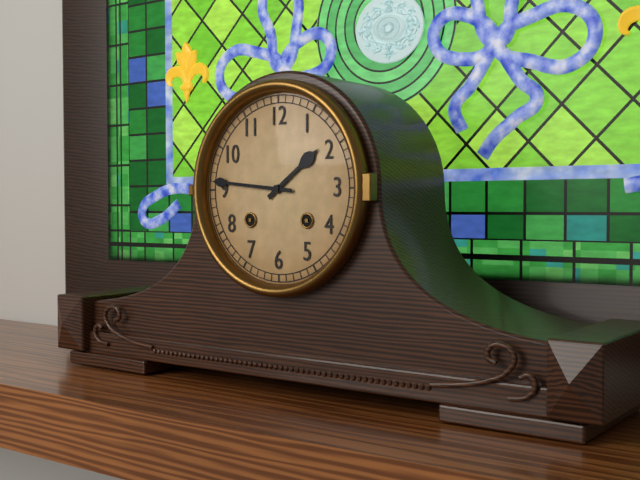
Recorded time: 1.46
